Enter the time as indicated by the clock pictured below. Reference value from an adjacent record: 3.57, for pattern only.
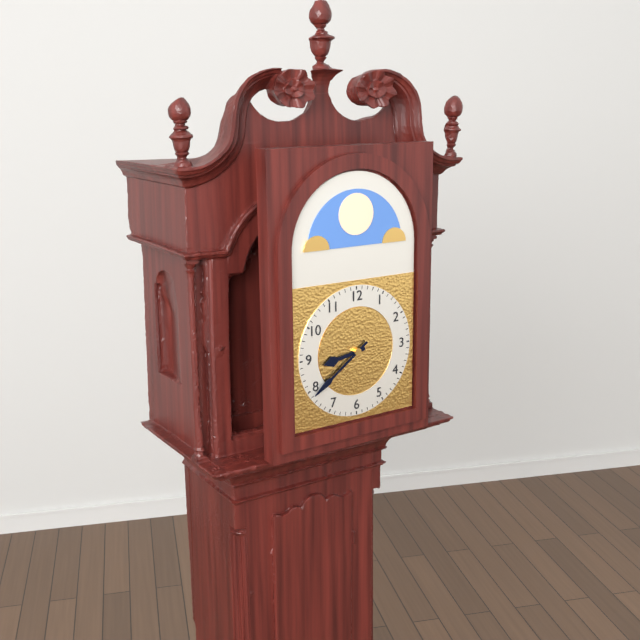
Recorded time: 8.39
